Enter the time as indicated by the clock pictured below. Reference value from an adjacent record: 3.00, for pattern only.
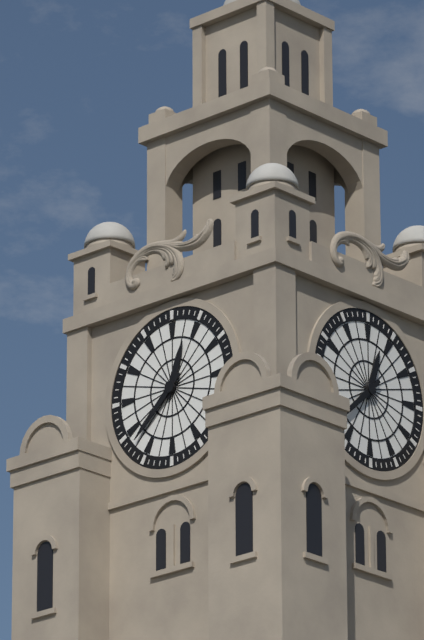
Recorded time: 12.38
